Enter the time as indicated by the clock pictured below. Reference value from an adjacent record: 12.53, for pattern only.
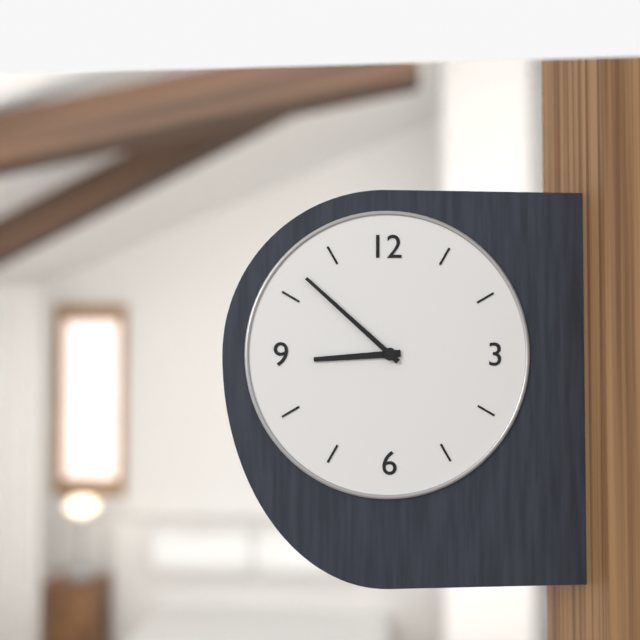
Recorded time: 8.52
